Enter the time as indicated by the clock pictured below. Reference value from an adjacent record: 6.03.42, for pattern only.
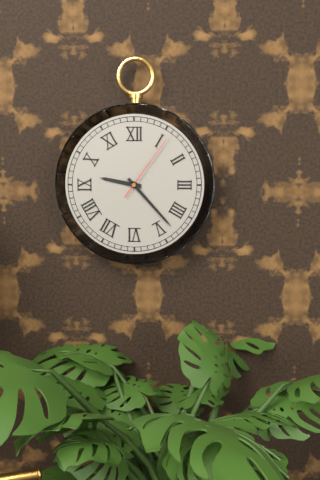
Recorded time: 9.23.06
